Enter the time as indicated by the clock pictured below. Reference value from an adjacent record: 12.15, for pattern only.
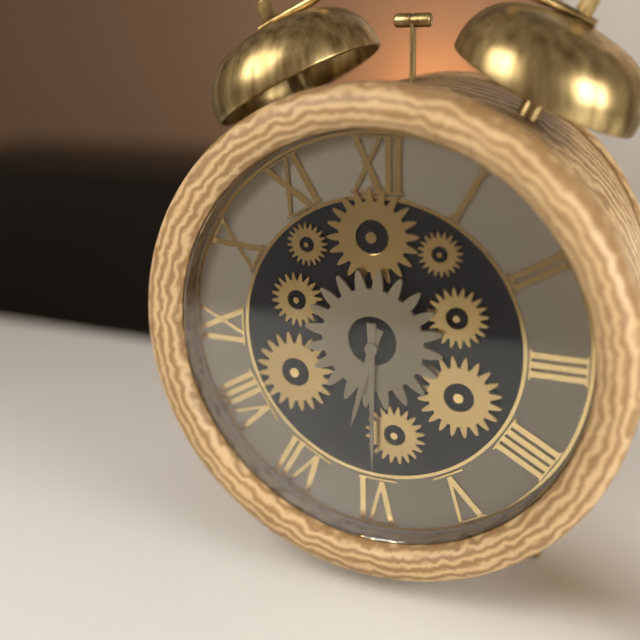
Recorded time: 6.30
